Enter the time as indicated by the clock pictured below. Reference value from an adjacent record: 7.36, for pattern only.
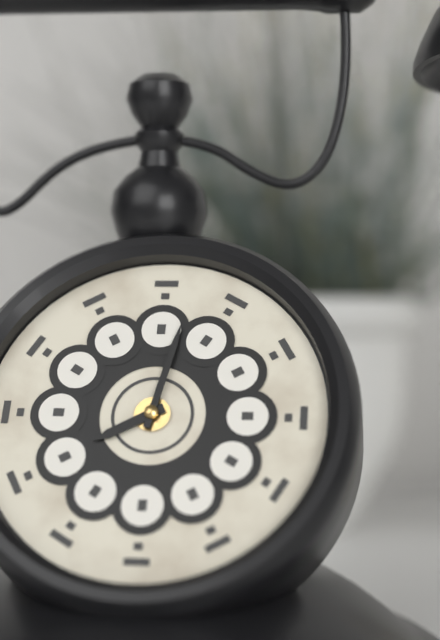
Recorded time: 8.02
